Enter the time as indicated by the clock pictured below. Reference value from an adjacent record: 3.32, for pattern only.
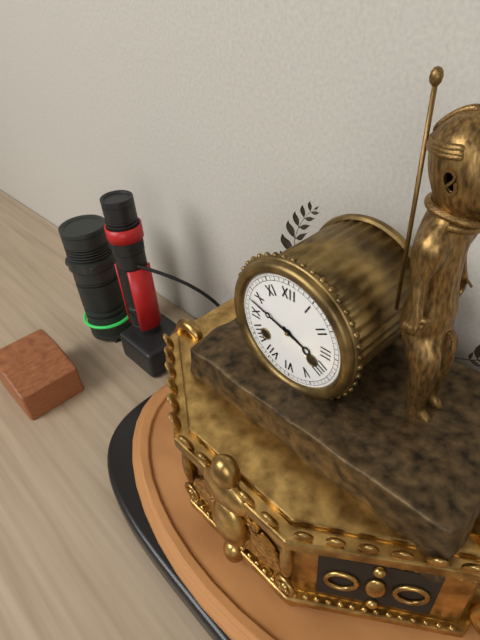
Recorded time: 3.48
